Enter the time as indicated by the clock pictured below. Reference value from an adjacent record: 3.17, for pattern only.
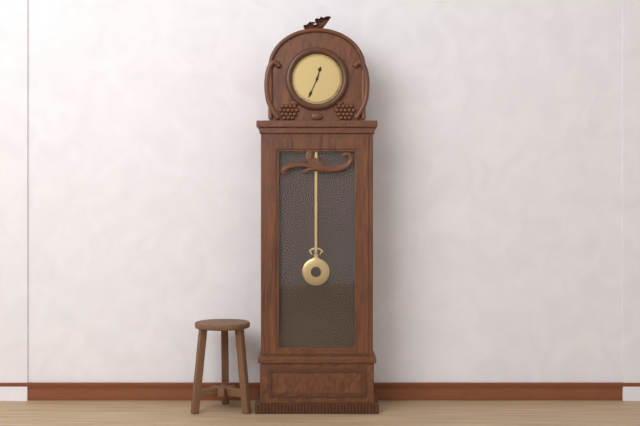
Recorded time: 12.34
